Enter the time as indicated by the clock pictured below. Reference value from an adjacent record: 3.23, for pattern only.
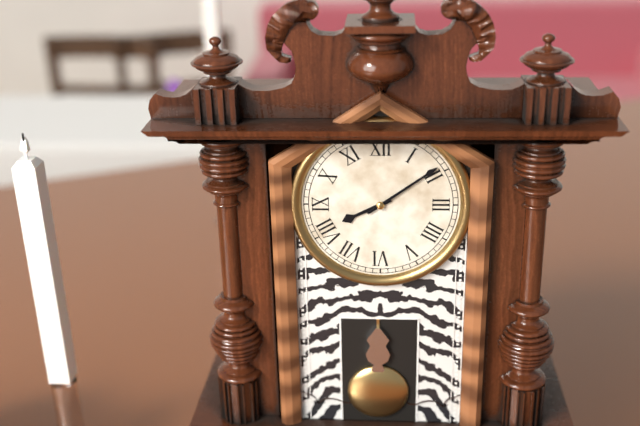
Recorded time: 8.09
